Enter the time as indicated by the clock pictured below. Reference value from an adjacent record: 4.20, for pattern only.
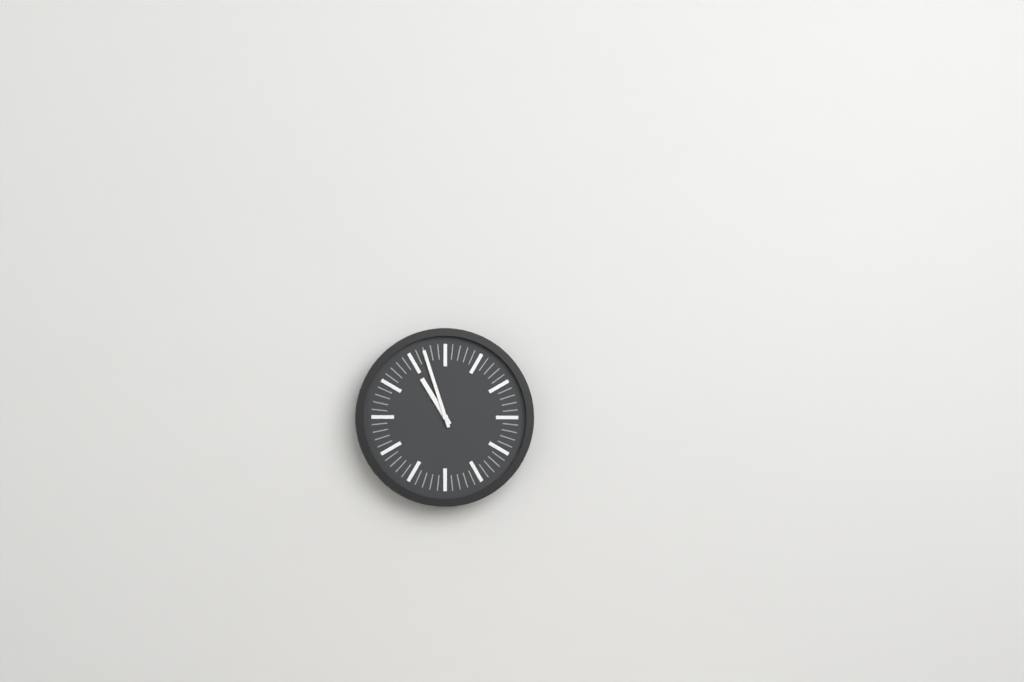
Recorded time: 10.57
